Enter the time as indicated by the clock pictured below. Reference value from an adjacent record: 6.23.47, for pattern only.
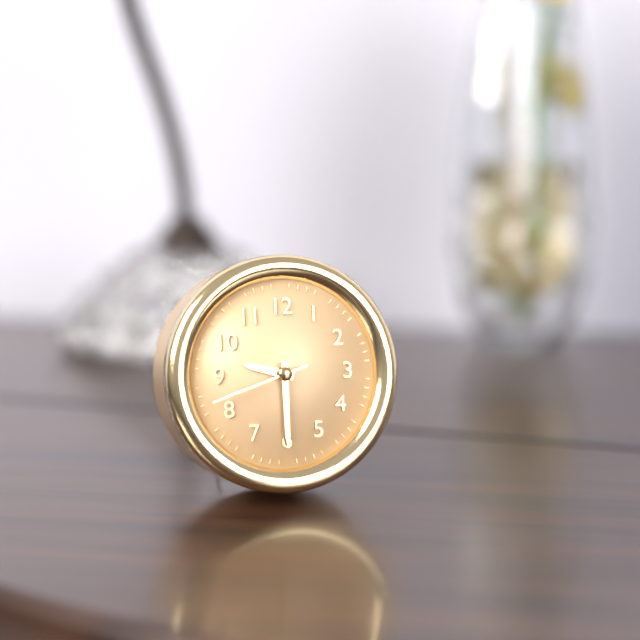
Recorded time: 9.30.42
